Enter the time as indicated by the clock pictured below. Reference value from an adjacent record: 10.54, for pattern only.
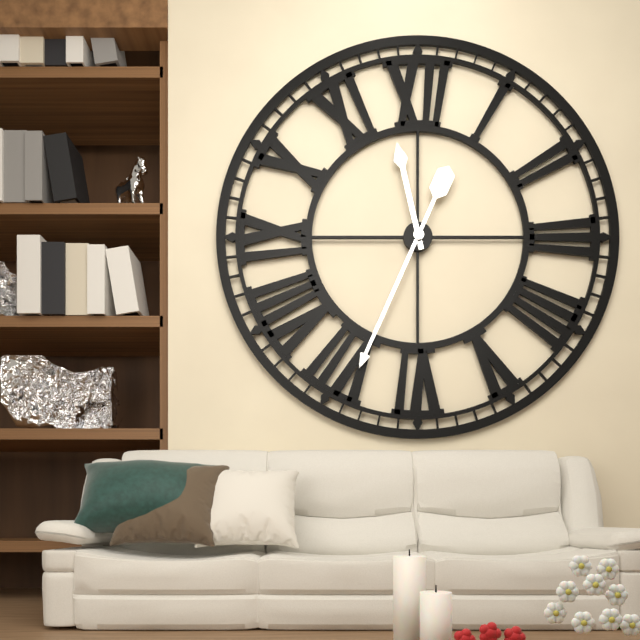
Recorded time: 11.34
